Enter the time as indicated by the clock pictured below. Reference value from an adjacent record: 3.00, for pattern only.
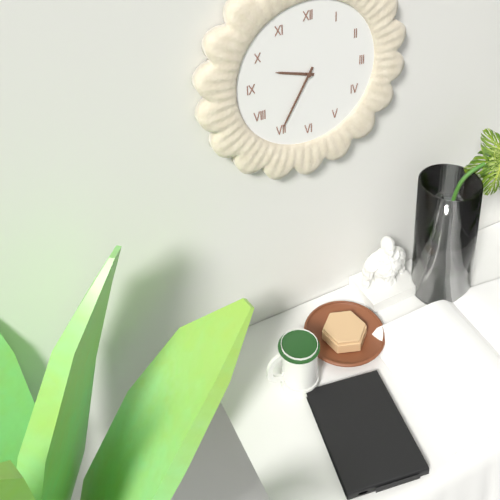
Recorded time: 9.35
